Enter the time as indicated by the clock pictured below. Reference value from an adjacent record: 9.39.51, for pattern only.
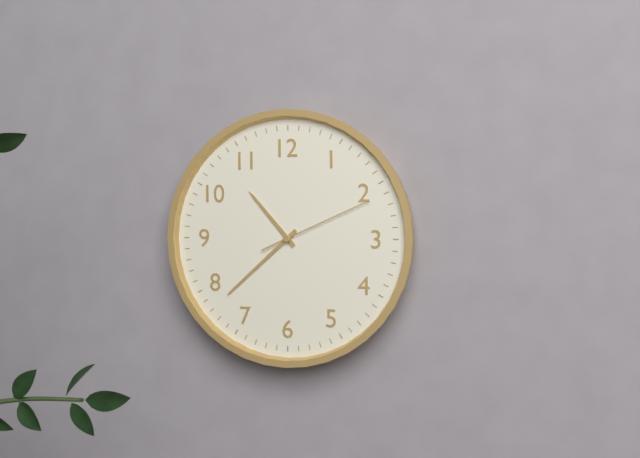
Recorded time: 10.38.11
